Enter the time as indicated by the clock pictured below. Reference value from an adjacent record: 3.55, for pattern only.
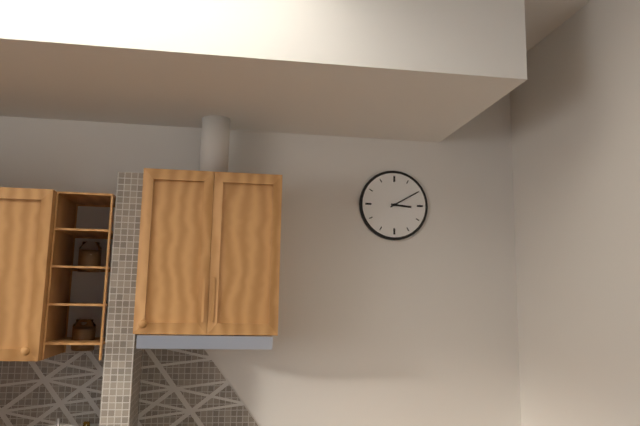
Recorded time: 3.10
